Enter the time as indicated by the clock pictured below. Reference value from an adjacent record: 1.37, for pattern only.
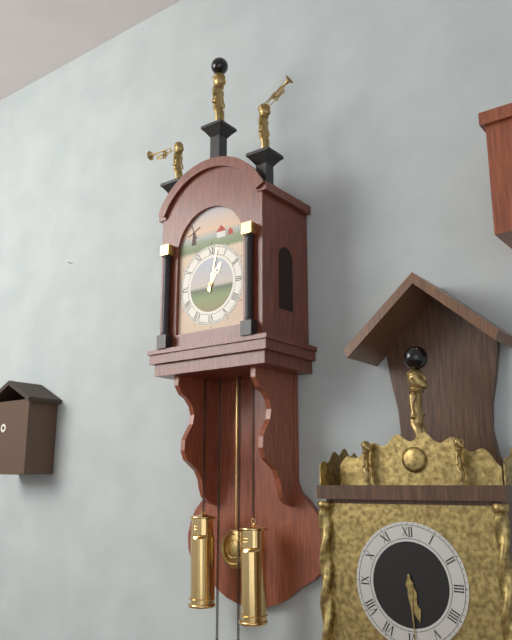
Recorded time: 1.02
